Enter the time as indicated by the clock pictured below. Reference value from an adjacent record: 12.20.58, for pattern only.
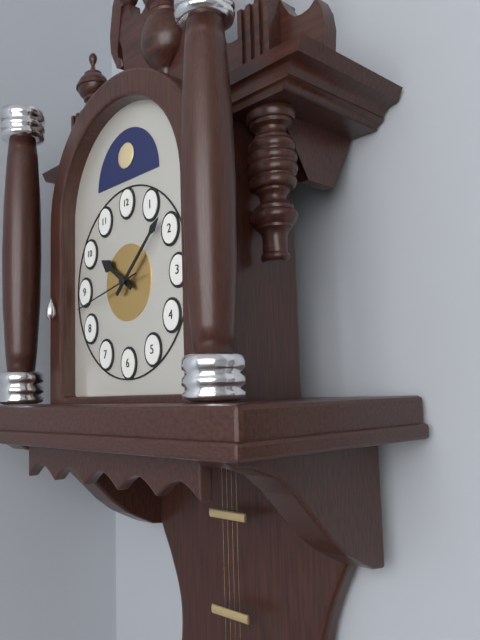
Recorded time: 10.08.43
